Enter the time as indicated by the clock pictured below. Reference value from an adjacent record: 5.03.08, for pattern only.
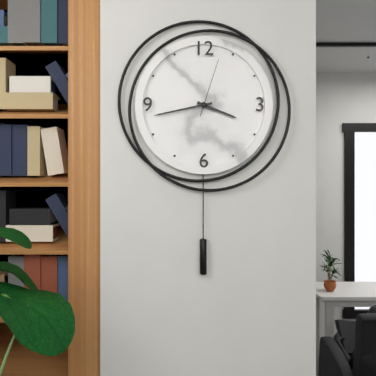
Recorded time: 3.43.03
